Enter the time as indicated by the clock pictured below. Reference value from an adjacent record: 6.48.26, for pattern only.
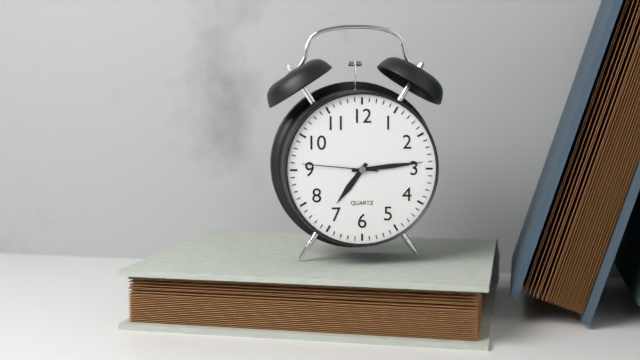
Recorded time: 7.14.46
